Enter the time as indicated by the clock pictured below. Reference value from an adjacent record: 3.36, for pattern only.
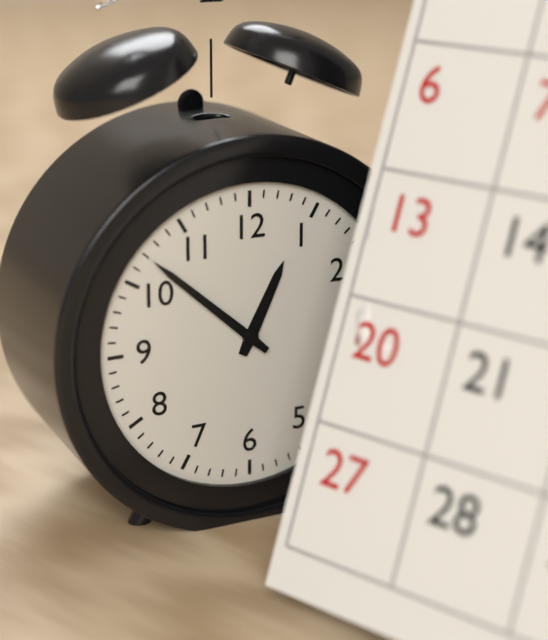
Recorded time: 12.52
